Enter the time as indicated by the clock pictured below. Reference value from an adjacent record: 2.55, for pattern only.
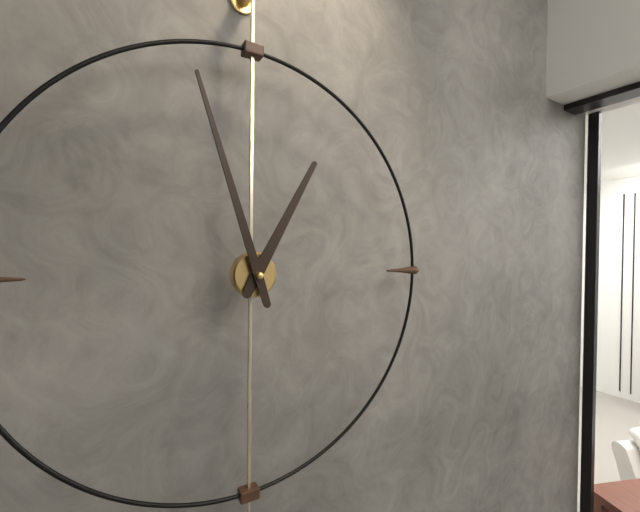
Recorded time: 12.57
